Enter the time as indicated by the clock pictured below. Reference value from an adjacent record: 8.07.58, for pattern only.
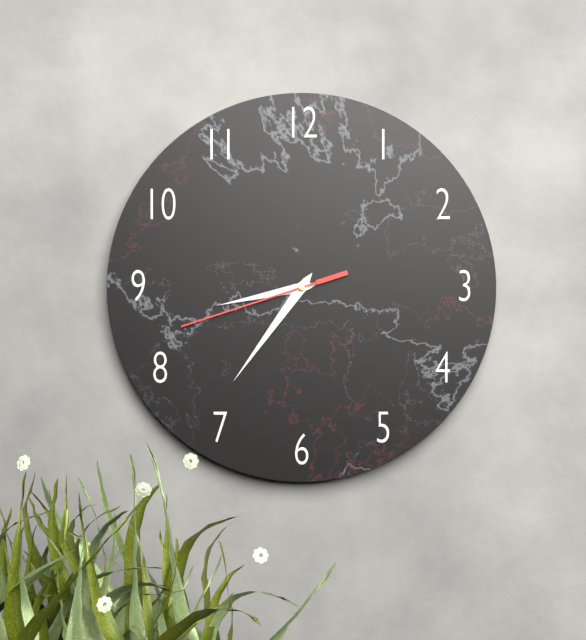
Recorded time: 8.36.42
